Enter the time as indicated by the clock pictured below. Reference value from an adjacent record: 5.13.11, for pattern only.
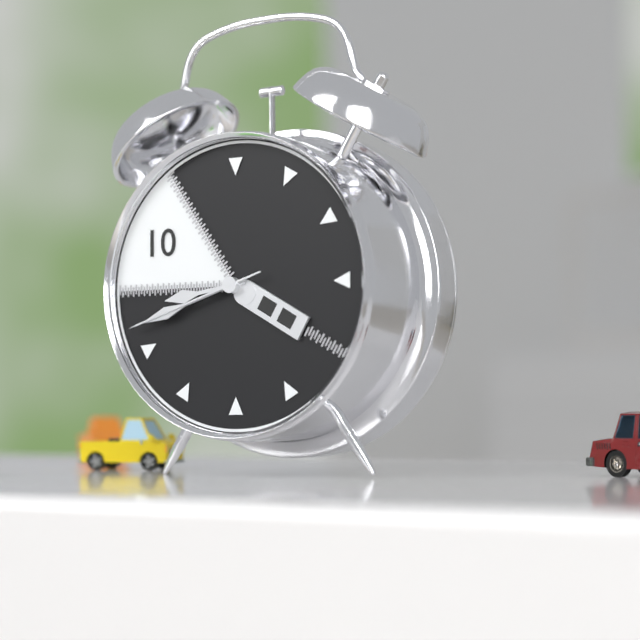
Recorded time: 8.42.42
